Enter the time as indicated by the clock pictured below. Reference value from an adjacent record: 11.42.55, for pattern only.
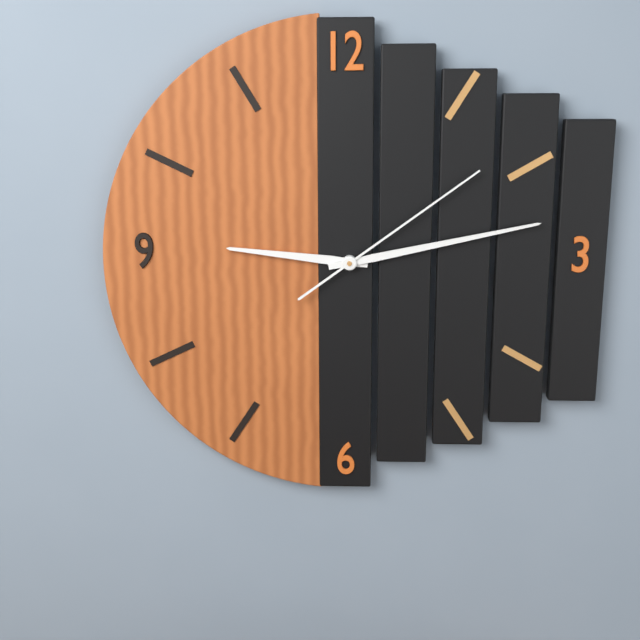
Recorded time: 9.13.09
